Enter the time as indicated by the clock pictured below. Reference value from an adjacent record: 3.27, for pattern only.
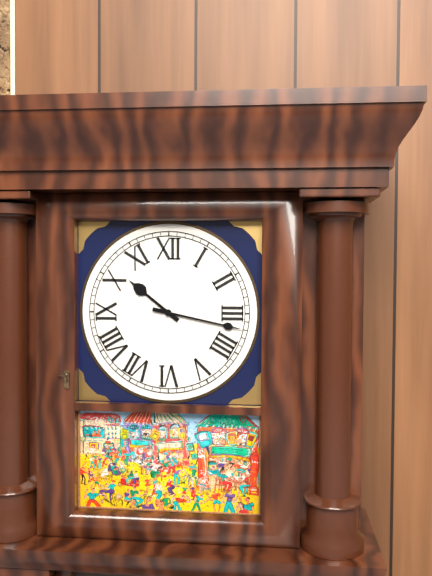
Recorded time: 10.17
